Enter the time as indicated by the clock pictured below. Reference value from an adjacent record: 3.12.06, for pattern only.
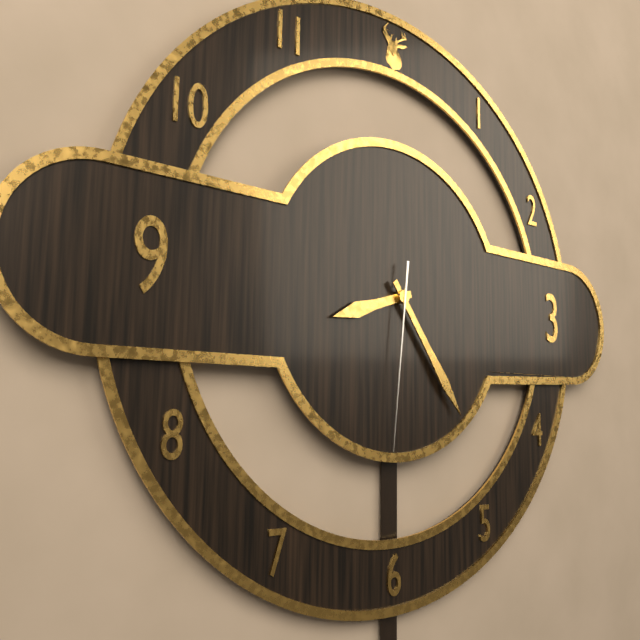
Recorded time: 8.24.31
